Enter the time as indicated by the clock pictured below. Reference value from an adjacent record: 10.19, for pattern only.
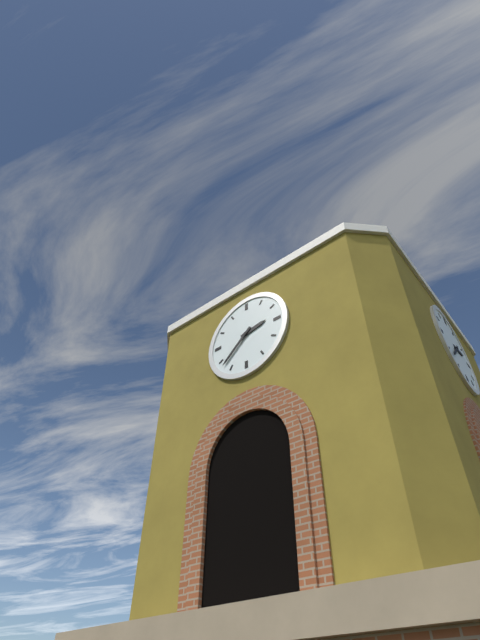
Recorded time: 2.38
